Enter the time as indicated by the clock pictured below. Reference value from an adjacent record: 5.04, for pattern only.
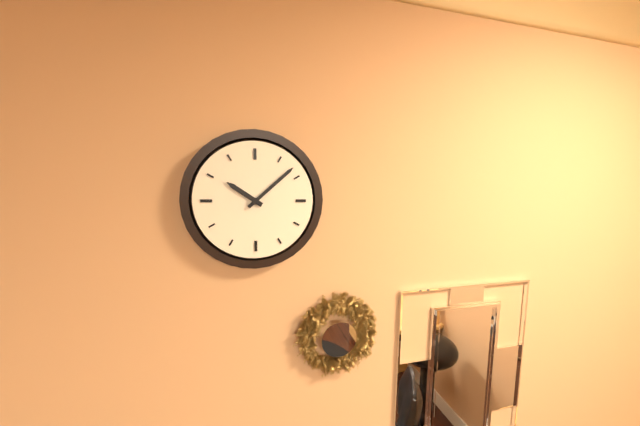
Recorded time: 10.08
